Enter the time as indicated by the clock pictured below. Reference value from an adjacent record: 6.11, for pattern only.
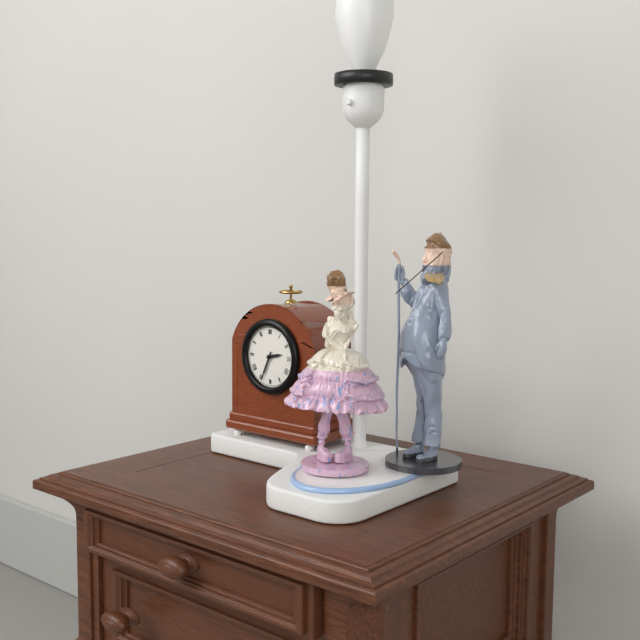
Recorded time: 2.34
